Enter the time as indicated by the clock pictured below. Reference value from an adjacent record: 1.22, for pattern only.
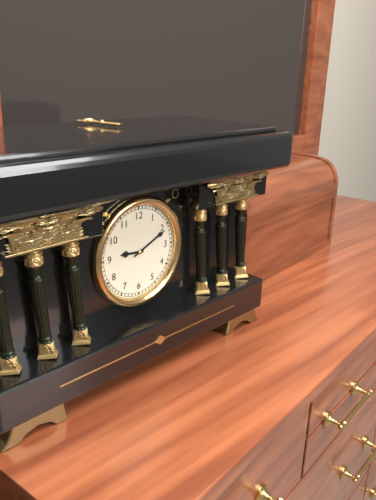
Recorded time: 9.11
